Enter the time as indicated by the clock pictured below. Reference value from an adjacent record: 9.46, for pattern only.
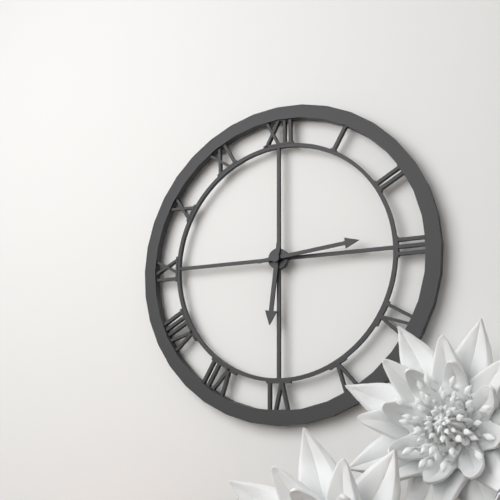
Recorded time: 6.14
